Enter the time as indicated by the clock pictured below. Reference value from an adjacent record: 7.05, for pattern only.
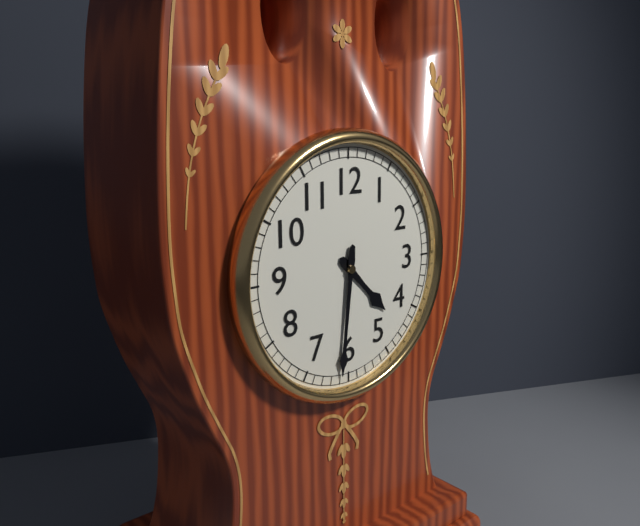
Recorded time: 4.31
